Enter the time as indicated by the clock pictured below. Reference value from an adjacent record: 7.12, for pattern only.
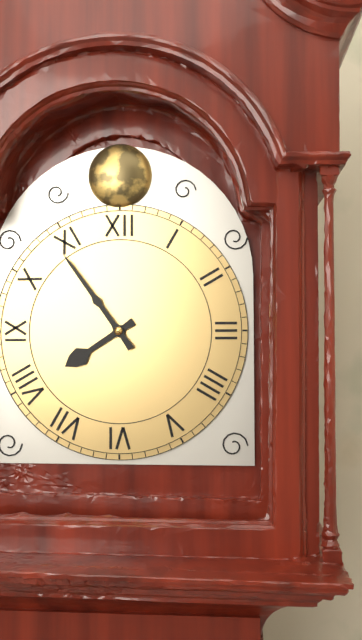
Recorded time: 7.54
